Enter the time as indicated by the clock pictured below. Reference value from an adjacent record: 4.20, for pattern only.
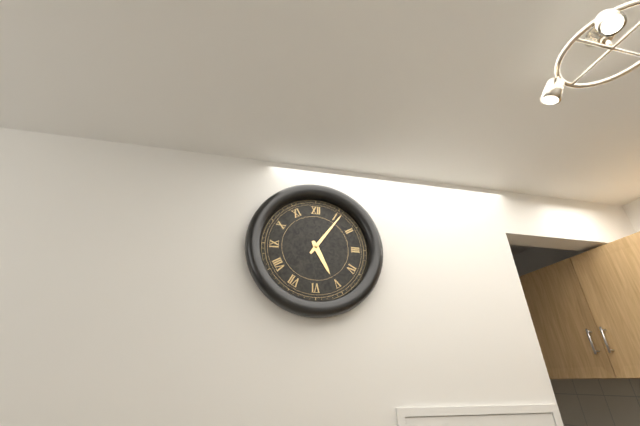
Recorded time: 5.06
